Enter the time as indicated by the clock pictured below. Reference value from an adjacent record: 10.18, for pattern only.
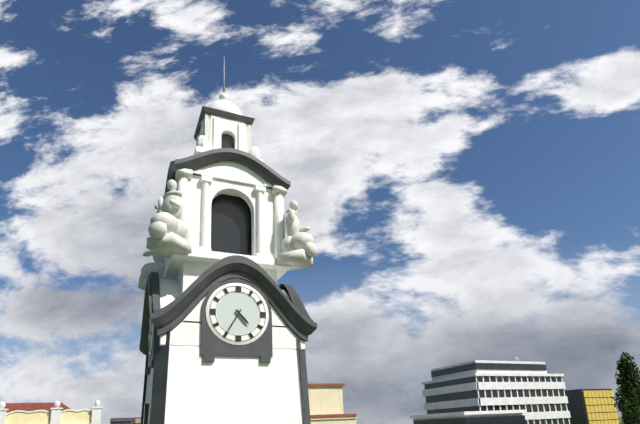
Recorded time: 4.35
